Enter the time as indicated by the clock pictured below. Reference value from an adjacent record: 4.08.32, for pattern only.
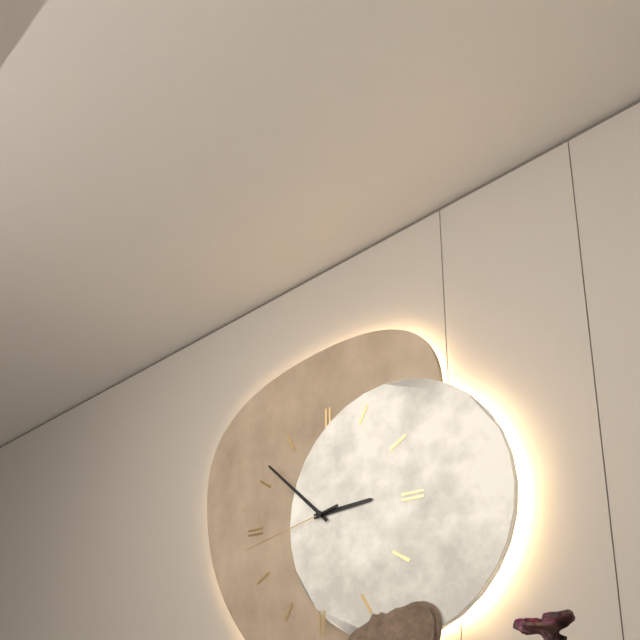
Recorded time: 2.52.43
